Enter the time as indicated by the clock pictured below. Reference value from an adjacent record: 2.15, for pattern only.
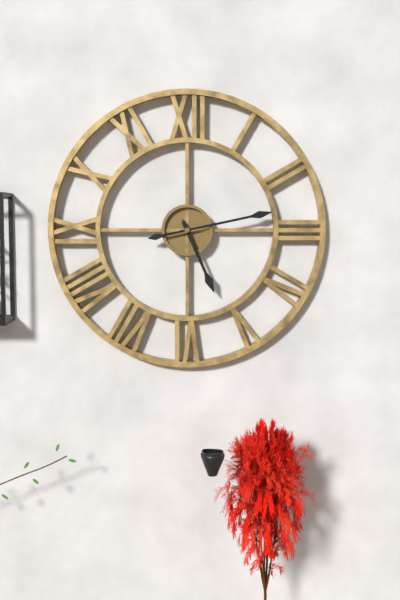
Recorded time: 5.13
